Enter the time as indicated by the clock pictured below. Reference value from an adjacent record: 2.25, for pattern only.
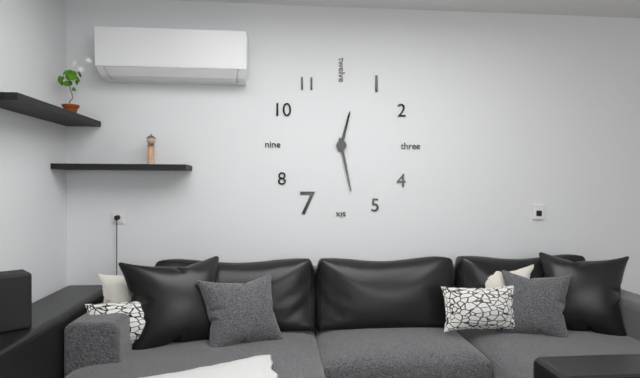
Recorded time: 12.28
